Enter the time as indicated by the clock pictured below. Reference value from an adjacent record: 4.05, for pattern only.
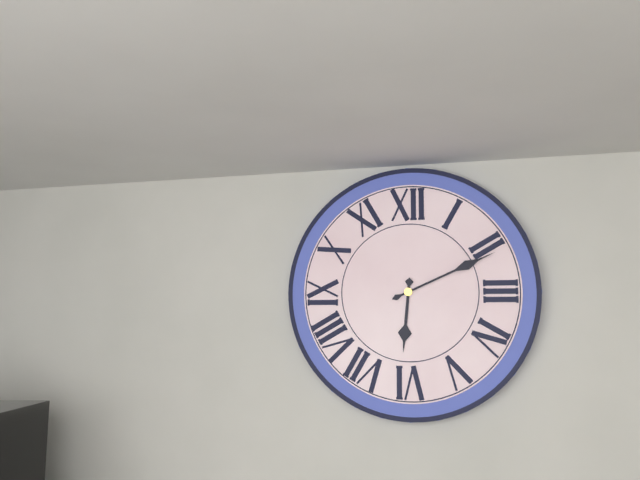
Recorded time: 6.11
